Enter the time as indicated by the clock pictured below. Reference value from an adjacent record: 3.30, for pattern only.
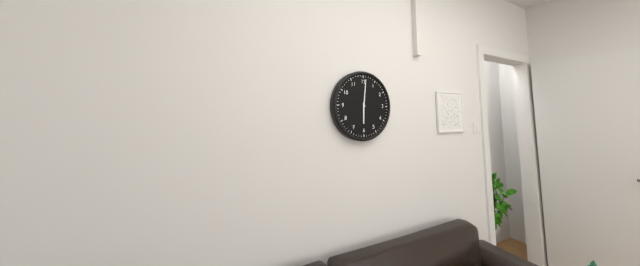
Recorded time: 6.01
